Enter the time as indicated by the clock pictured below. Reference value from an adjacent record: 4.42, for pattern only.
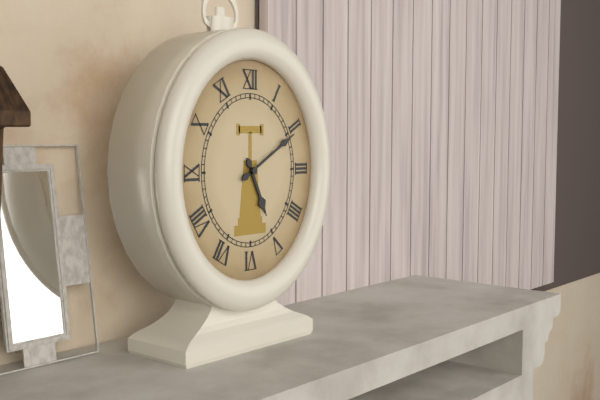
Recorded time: 5.10
